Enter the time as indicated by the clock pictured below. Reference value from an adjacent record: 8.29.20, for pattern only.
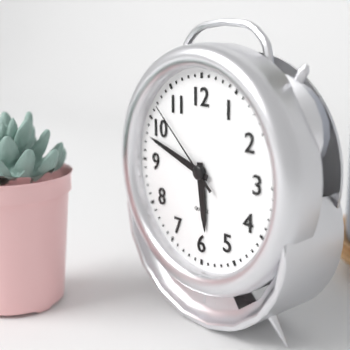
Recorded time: 5.48.52
